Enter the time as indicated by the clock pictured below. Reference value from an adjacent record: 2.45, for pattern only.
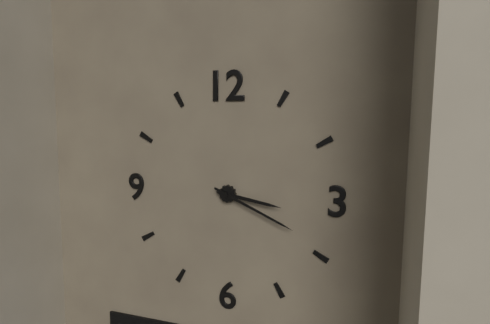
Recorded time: 3.19
